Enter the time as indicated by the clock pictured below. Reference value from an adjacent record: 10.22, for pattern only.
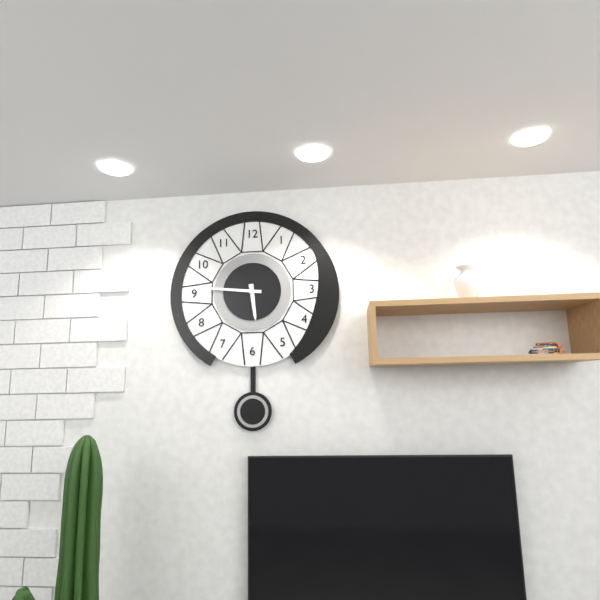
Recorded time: 5.46
